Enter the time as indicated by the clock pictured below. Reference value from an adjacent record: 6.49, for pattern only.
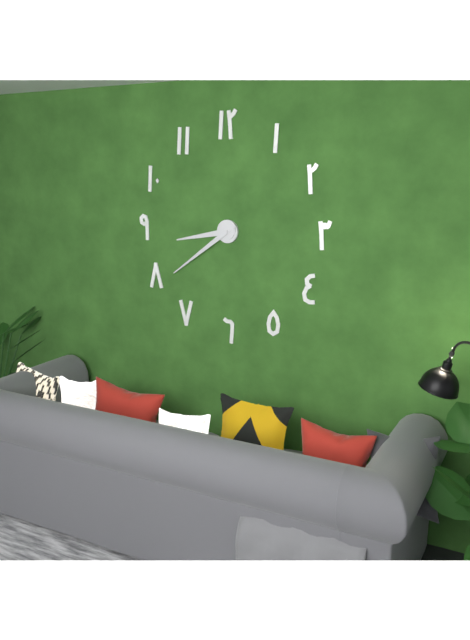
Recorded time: 8.39
